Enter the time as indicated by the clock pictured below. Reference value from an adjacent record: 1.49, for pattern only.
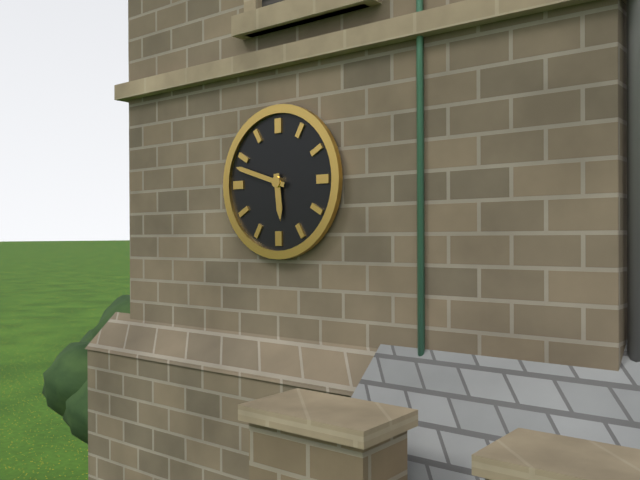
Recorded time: 5.48
